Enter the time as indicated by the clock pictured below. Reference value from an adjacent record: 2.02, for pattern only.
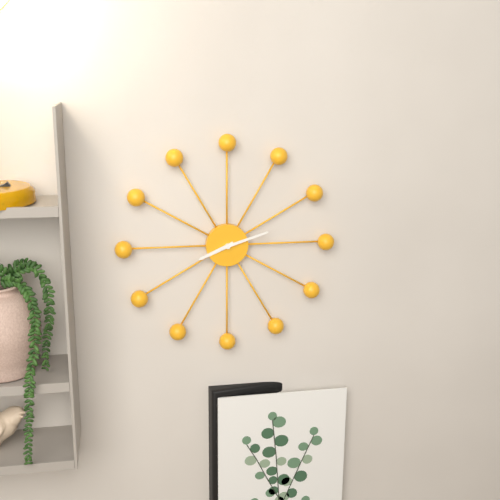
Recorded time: 8.12
